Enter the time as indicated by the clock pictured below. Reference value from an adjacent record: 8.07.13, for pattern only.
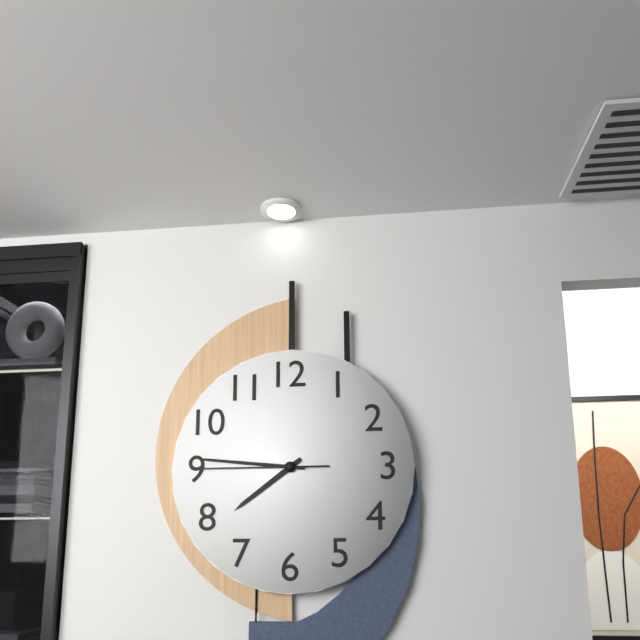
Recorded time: 7.46.45
